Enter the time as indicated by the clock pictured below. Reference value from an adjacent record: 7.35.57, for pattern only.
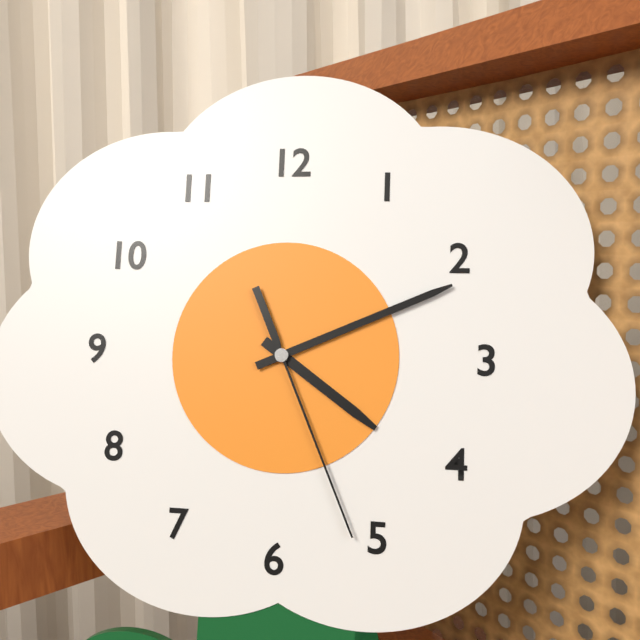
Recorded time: 4.11.26
